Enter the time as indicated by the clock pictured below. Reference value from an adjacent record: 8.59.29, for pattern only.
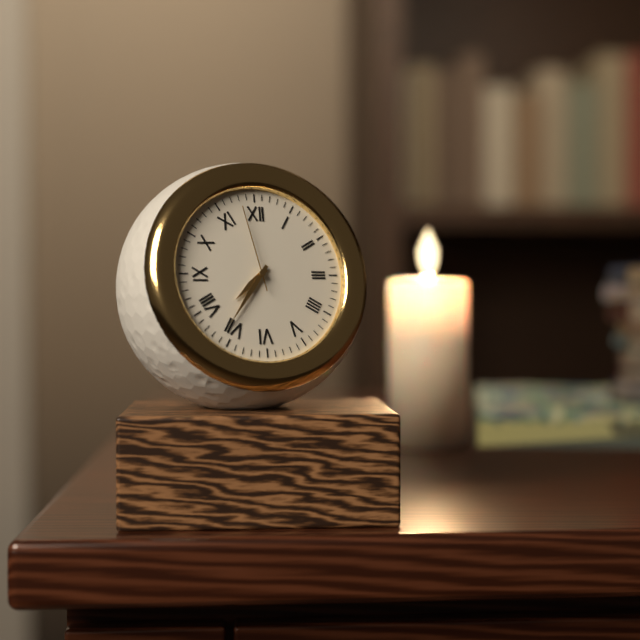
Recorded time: 7.36.58
